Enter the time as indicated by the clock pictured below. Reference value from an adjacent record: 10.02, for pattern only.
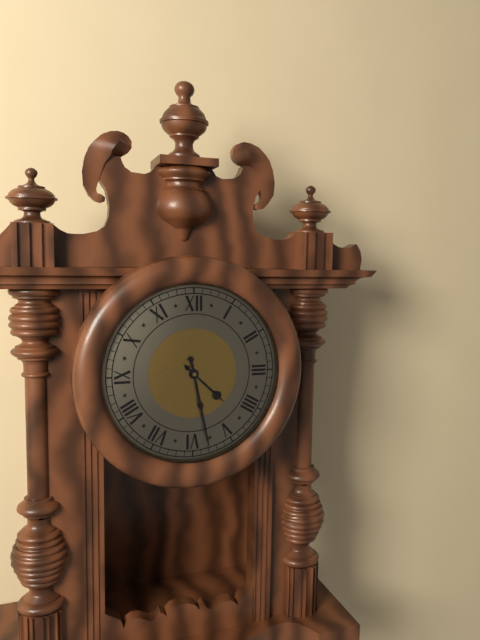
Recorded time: 4.28
